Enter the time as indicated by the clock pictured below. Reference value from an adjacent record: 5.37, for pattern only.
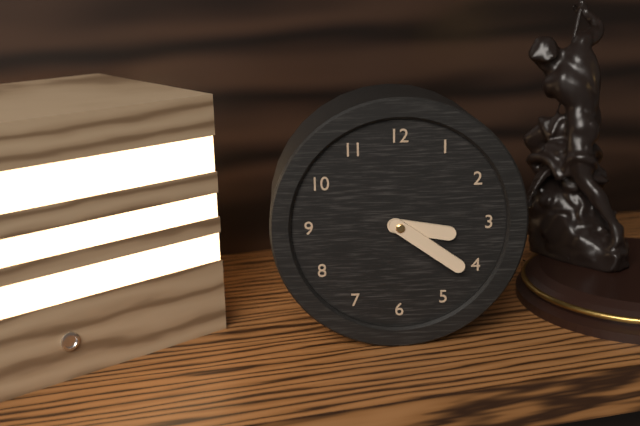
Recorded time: 3.21
